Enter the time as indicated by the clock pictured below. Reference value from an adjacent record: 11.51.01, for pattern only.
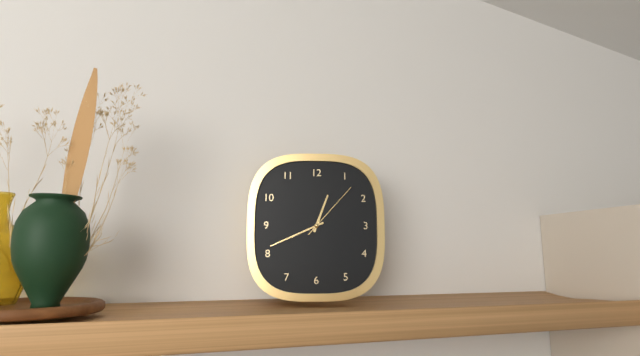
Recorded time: 12.41.07
